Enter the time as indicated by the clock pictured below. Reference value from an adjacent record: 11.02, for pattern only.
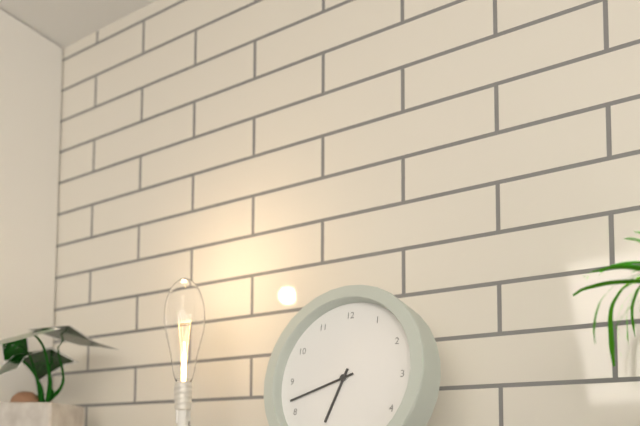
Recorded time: 6.42
